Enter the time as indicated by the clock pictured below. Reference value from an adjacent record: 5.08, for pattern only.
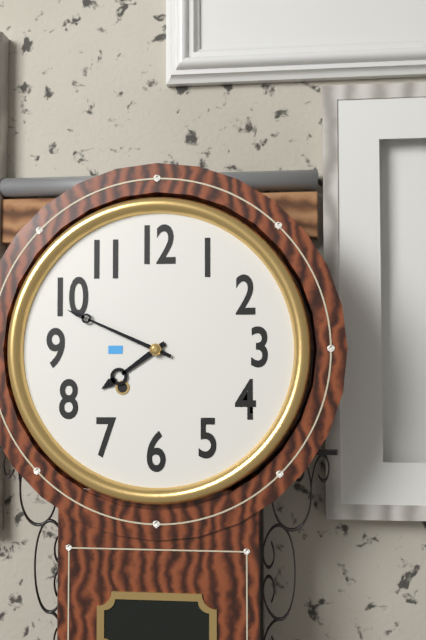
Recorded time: 7.49
